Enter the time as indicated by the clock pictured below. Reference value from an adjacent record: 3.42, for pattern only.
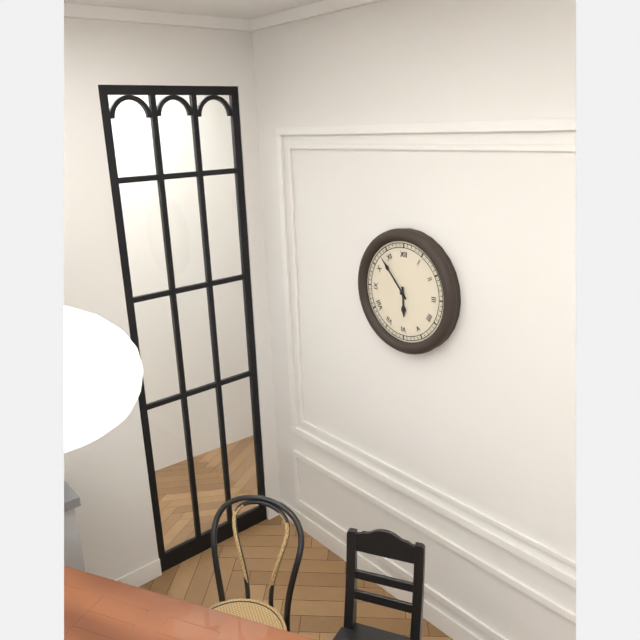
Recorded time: 5.53
